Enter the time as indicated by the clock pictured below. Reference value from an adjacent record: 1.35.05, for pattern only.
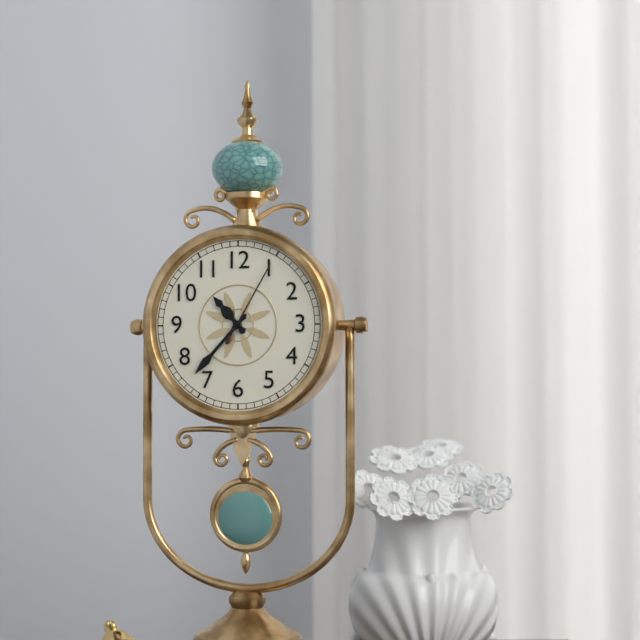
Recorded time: 10.37.05
